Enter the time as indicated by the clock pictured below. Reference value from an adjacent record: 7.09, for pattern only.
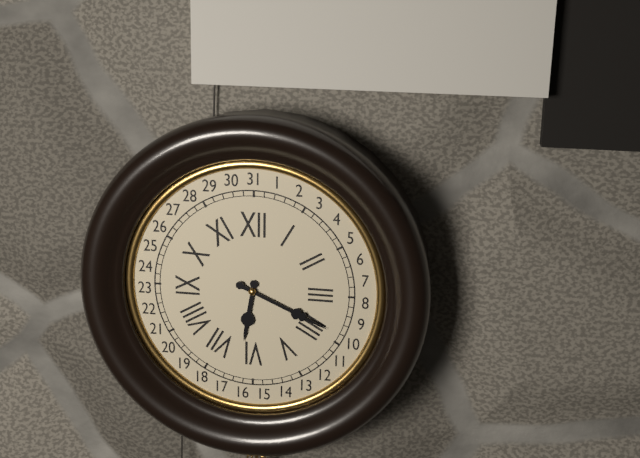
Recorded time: 6.19
